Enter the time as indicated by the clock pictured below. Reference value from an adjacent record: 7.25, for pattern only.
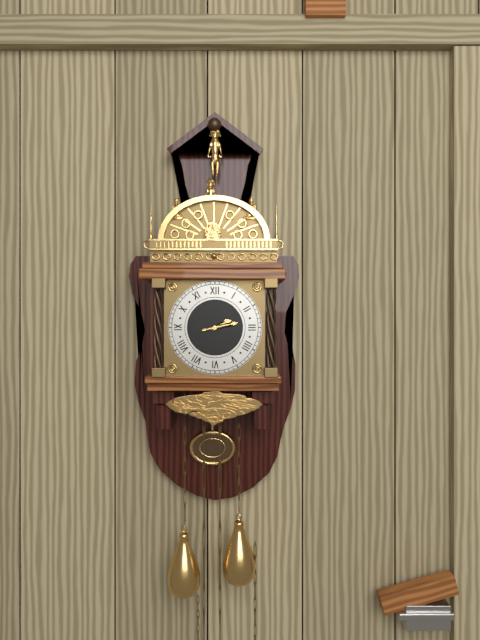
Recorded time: 2.13
